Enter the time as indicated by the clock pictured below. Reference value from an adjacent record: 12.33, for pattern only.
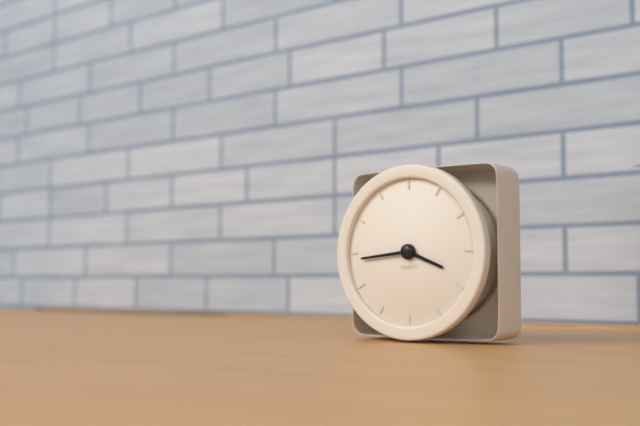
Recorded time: 3.44
